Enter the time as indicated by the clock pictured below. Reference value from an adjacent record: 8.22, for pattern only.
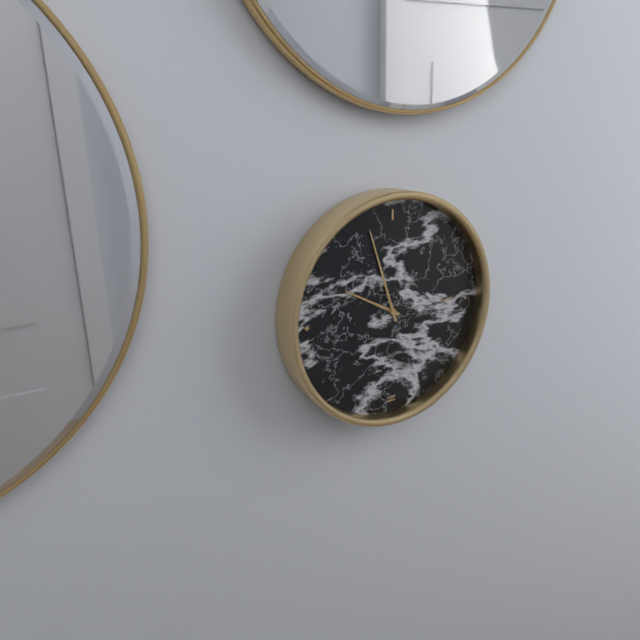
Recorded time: 9.57
